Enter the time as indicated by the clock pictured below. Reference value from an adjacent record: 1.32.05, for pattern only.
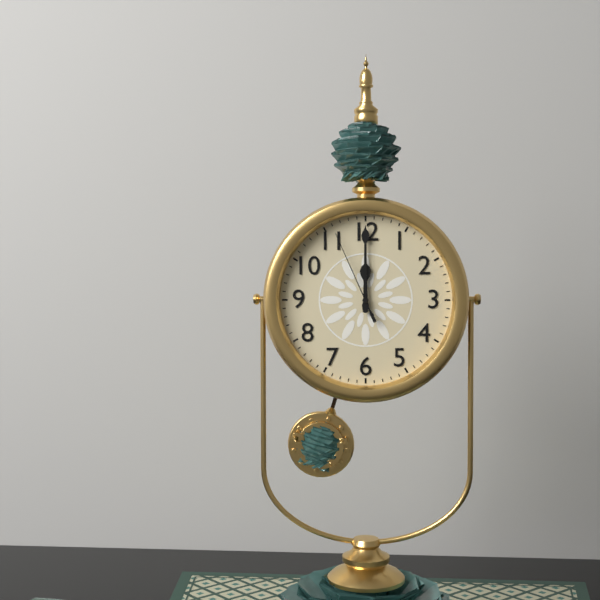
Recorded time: 12.00.56
